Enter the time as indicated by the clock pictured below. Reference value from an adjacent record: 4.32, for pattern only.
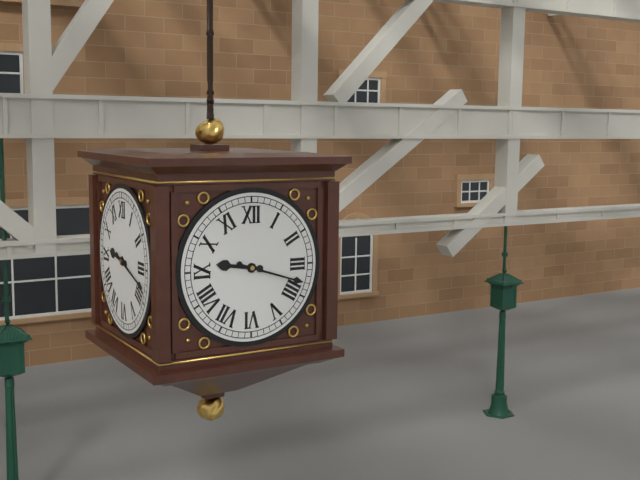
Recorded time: 9.18
